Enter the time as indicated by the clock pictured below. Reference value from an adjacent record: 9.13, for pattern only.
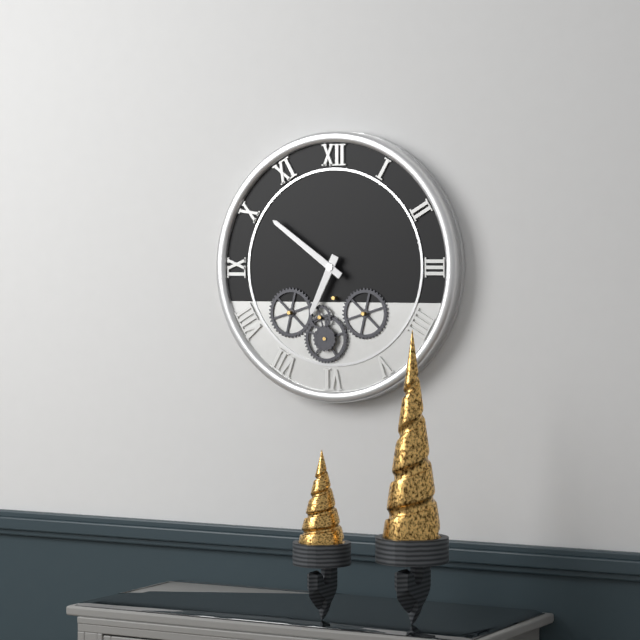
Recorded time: 6.51
